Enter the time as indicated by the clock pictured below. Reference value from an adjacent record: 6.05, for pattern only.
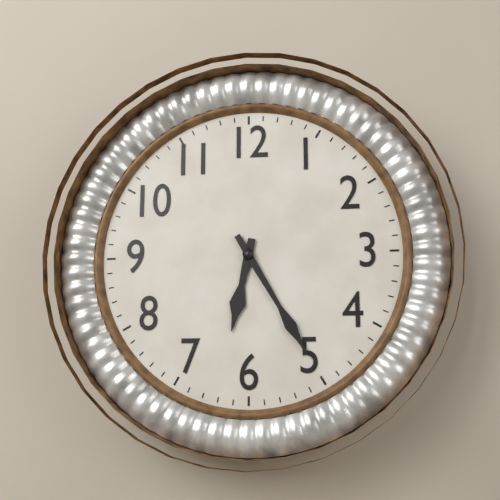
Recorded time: 6.25
